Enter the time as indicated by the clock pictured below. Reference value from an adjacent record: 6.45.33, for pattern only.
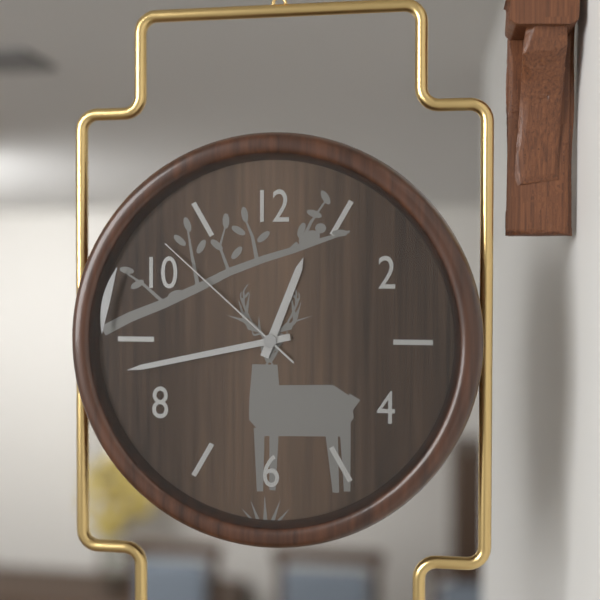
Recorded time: 12.43.52
